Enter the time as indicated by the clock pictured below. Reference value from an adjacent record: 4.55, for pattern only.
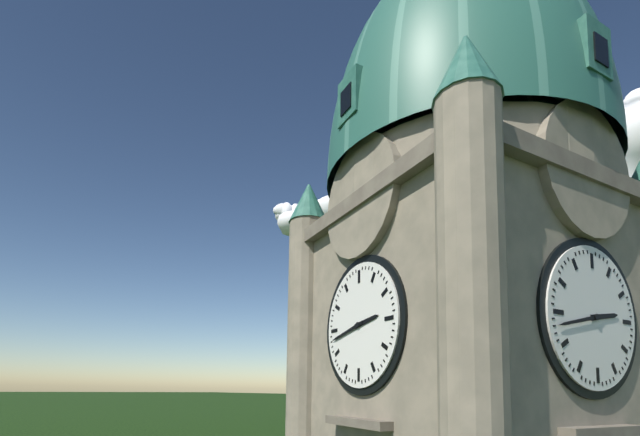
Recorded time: 2.43
